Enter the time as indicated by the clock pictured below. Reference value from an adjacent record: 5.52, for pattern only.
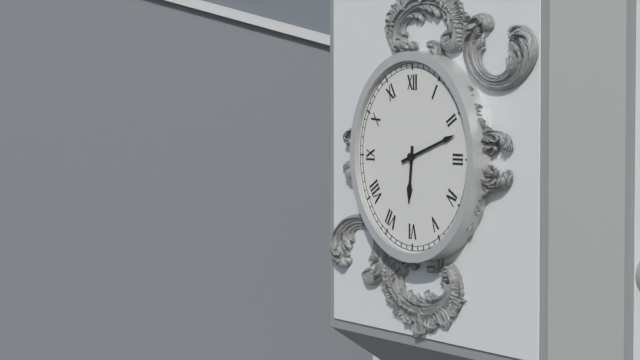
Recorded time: 6.12
